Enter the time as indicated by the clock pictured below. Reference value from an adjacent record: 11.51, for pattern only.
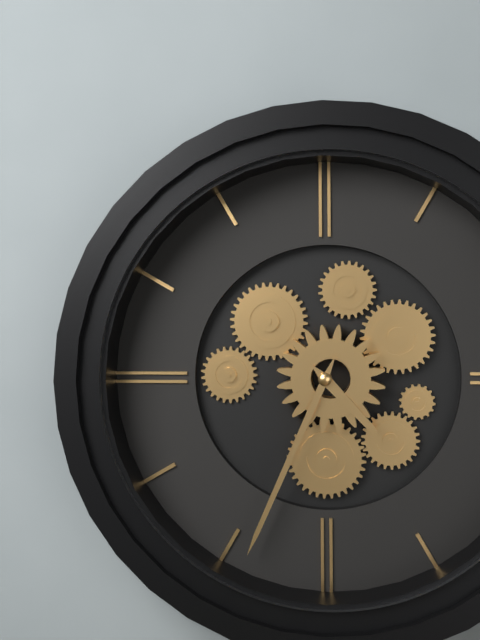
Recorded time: 4.34
